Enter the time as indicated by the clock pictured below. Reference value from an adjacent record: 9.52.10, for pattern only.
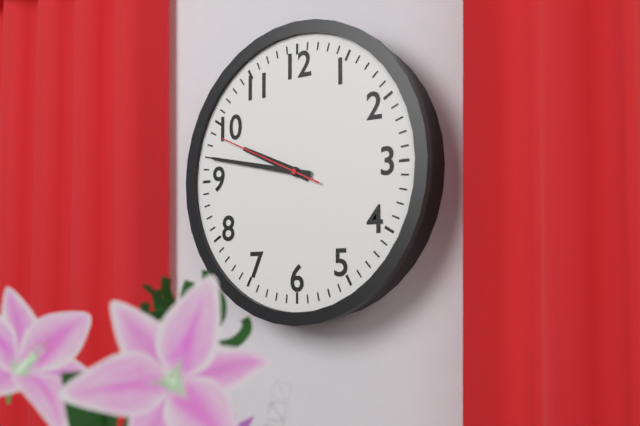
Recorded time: 9.47.49
